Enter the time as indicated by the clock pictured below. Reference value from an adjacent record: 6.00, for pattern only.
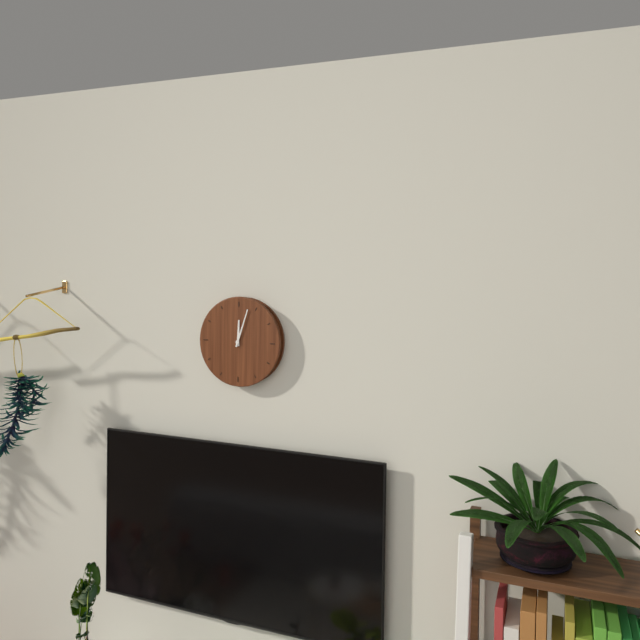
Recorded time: 12.03
